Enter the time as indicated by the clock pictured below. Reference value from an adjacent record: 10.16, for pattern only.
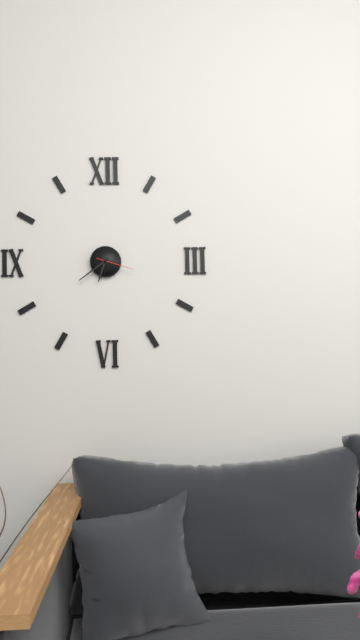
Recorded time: 6.39
